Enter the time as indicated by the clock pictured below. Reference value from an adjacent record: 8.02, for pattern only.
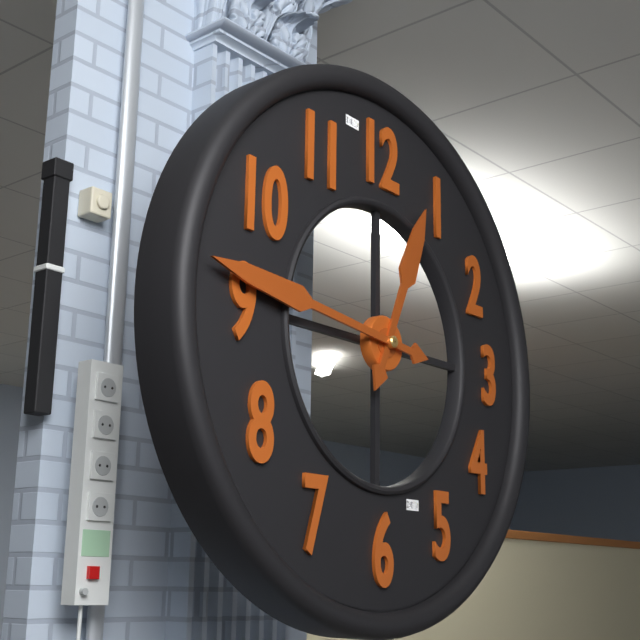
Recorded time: 12.46
